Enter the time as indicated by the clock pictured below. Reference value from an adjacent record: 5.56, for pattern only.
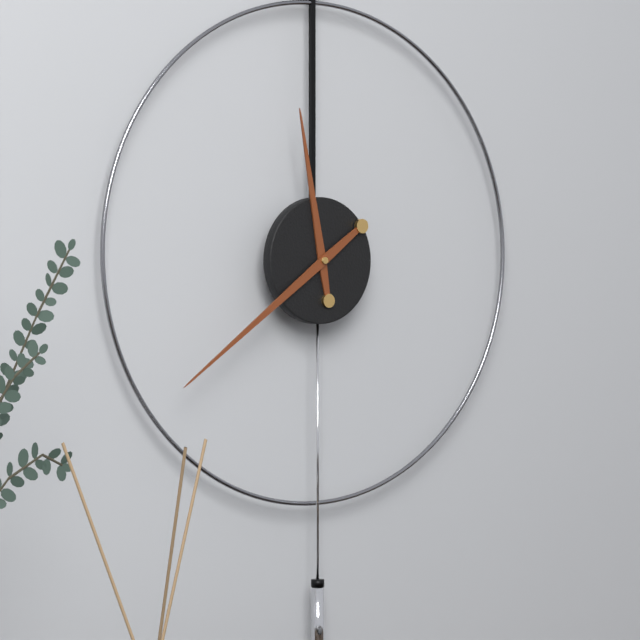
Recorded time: 11.39
